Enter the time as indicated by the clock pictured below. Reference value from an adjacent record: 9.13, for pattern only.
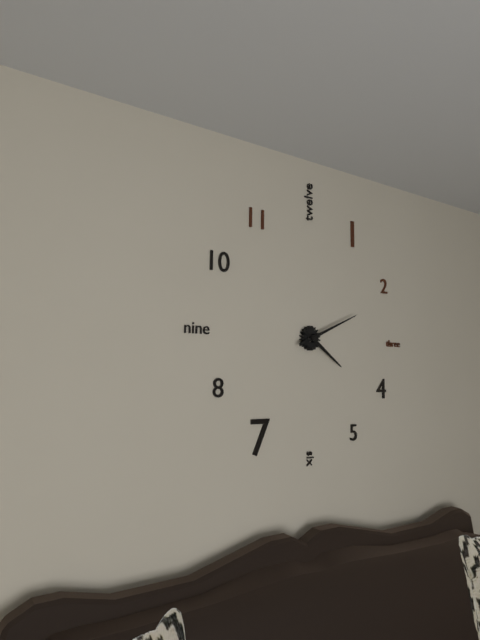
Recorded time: 4.11
